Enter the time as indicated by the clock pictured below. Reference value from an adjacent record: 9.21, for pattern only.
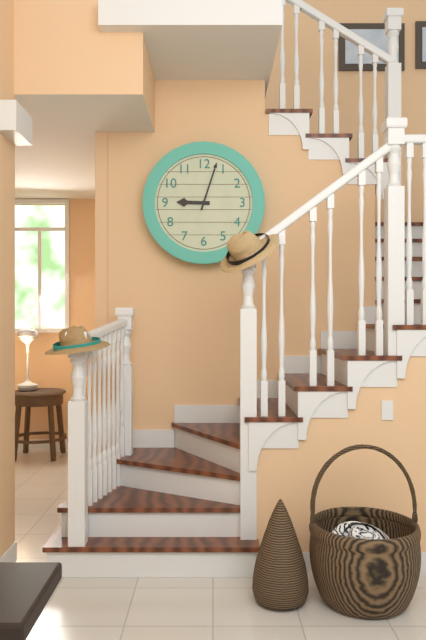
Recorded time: 9.03
